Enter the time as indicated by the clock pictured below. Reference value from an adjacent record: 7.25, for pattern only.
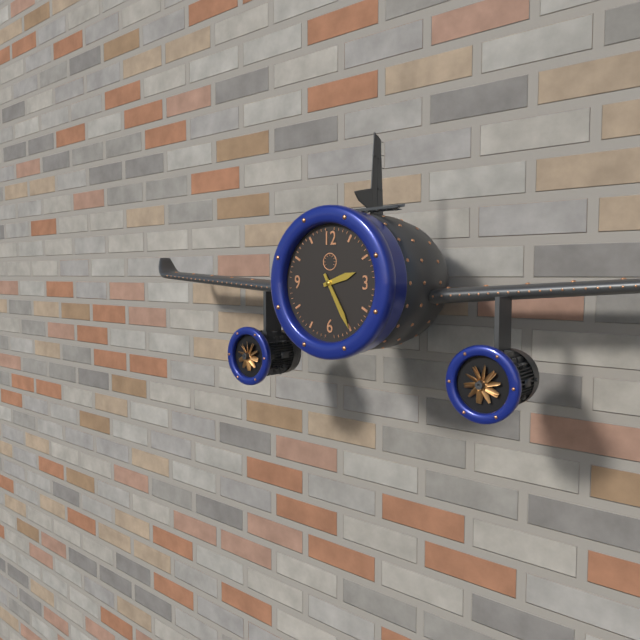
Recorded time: 2.25
